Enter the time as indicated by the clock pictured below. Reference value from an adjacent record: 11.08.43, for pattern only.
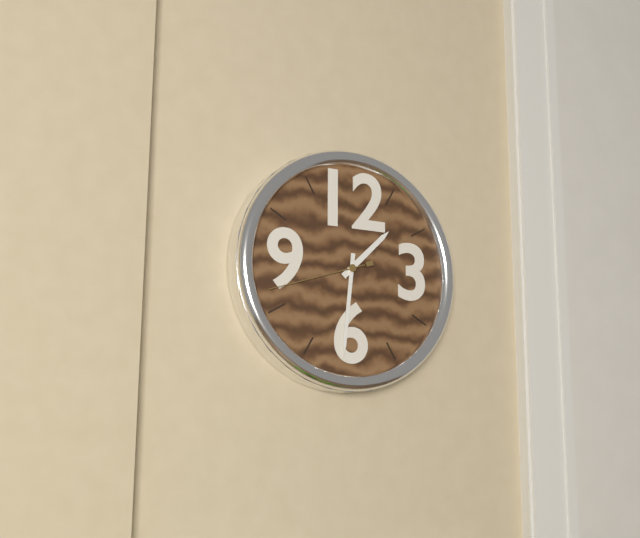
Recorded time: 1.31.42
